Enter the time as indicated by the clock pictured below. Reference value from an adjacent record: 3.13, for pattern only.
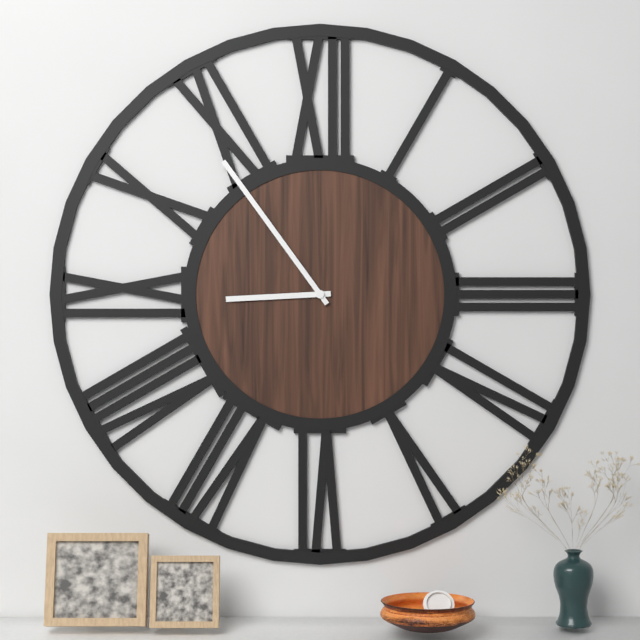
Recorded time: 8.54
